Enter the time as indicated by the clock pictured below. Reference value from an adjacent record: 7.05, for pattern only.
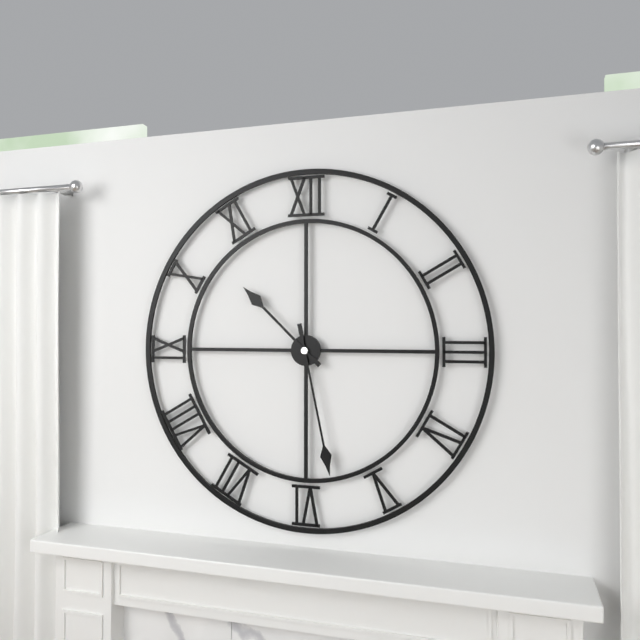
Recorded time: 10.28
